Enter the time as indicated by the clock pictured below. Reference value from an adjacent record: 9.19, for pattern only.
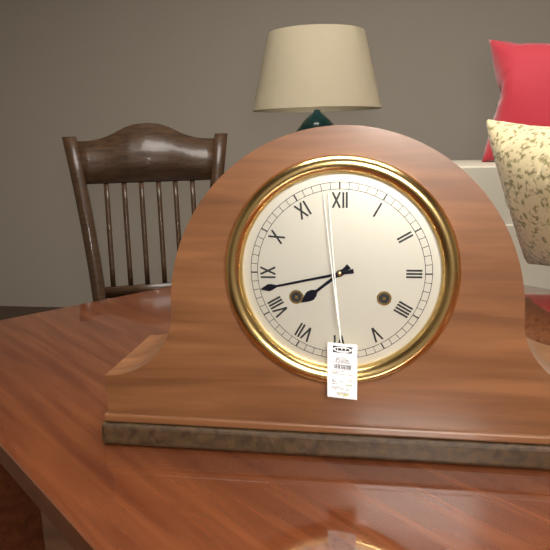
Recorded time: 7.43
